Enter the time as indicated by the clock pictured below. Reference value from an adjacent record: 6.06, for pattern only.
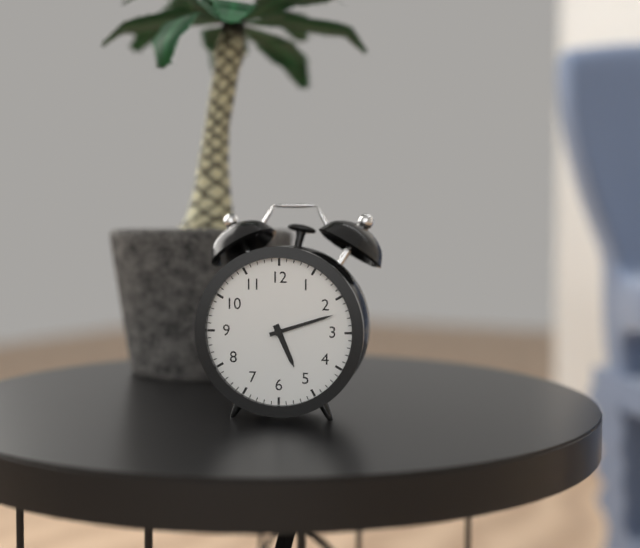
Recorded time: 5.12
